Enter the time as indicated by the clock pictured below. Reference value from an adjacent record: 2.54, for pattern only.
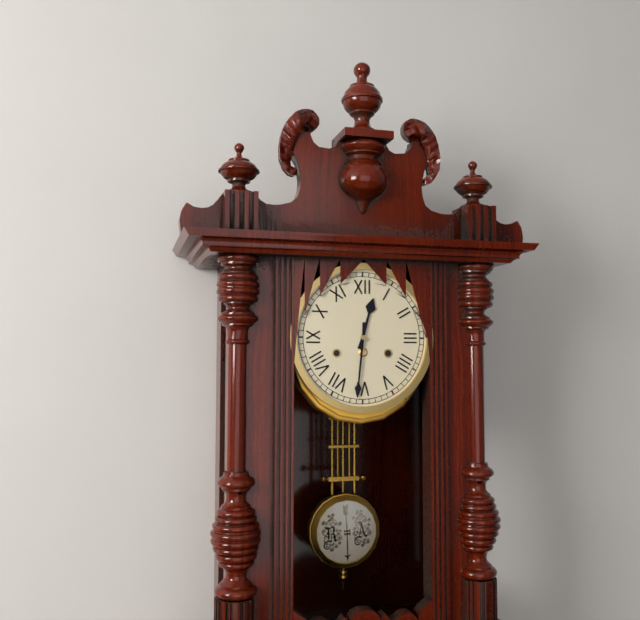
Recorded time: 12.31
